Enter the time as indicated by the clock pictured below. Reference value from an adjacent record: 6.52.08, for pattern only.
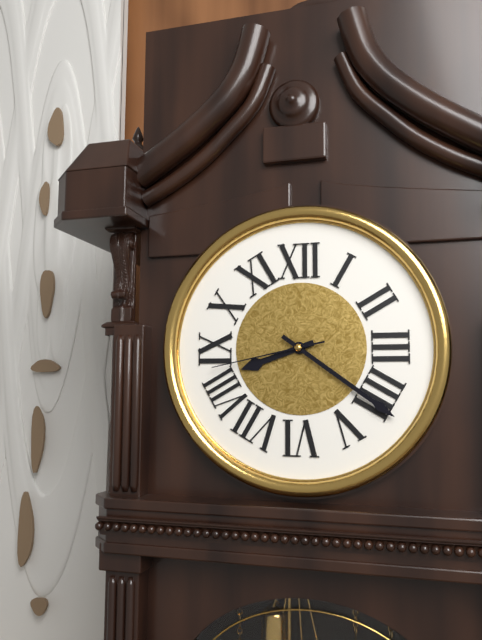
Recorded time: 8.21.43
